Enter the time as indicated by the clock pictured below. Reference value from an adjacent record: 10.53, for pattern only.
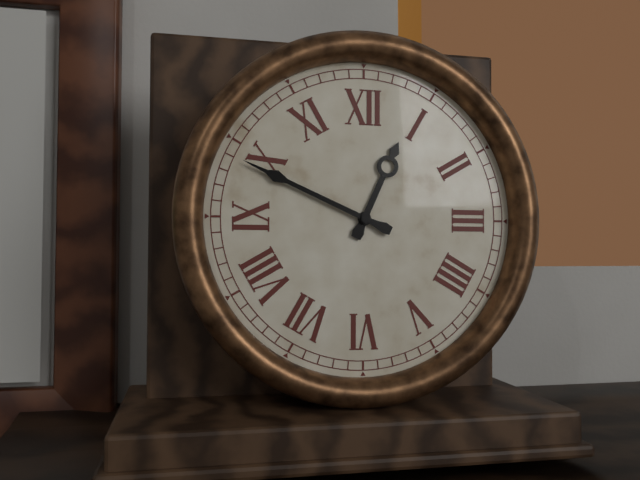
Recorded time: 12.49
